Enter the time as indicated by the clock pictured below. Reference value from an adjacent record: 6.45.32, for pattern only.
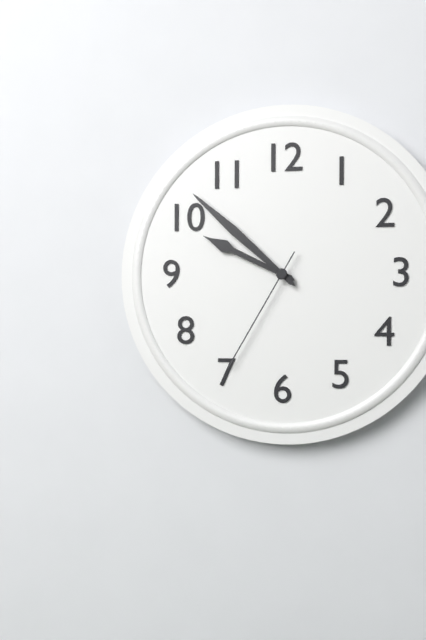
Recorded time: 9.52.35
